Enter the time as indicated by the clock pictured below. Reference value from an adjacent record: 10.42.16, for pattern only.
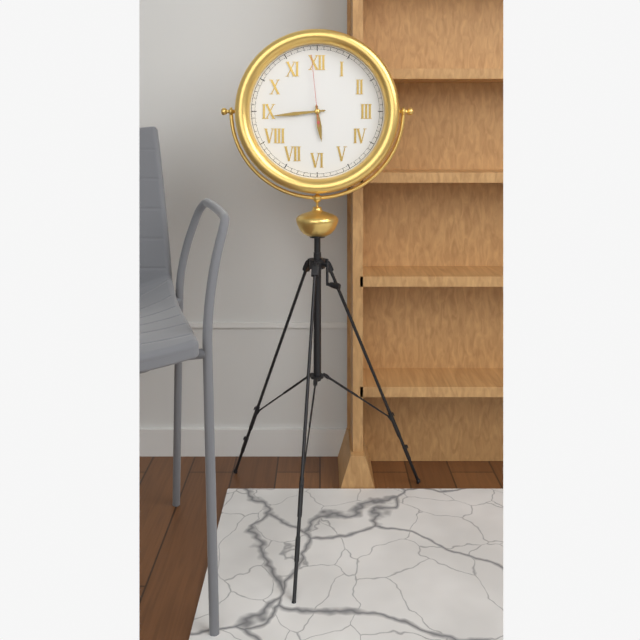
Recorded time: 5.44.59
